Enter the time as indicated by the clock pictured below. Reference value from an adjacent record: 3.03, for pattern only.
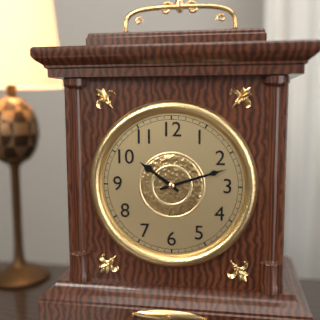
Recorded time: 10.12
